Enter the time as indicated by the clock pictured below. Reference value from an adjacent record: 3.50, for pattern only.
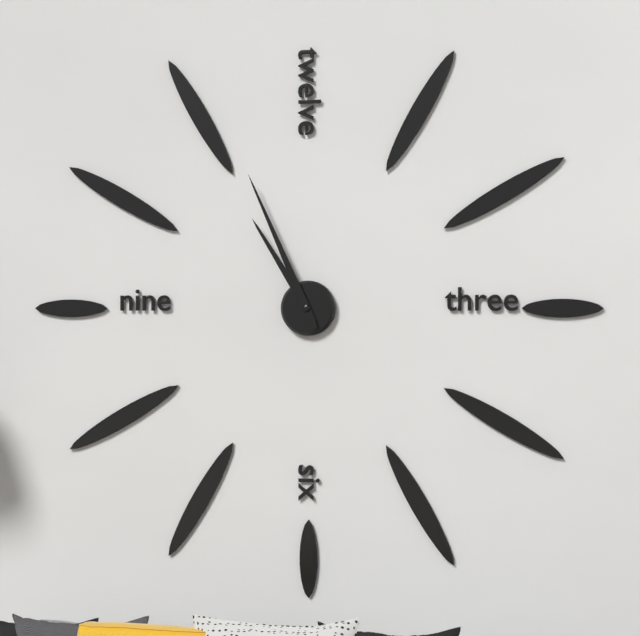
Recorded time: 10.56
